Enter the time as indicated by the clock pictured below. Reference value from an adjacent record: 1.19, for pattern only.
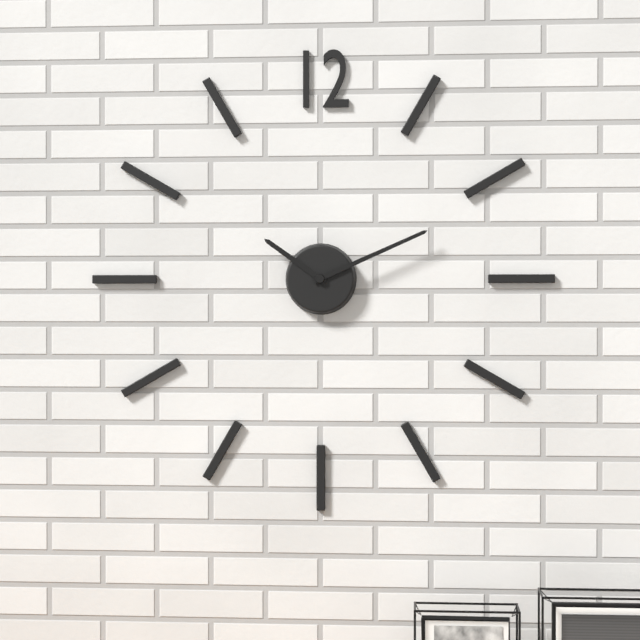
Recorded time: 10.11
